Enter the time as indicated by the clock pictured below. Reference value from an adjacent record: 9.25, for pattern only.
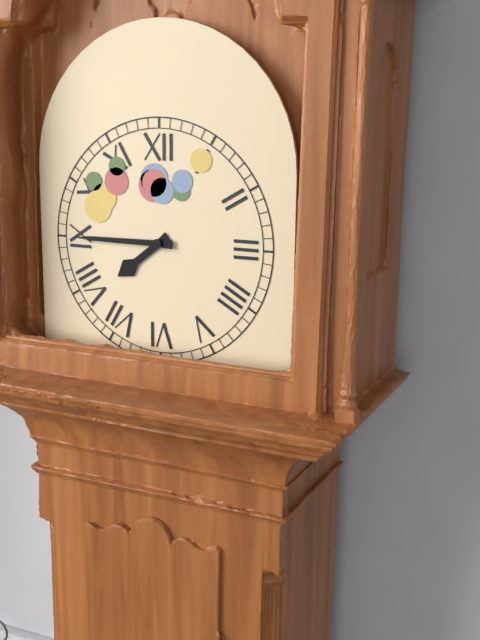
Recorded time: 7.45
